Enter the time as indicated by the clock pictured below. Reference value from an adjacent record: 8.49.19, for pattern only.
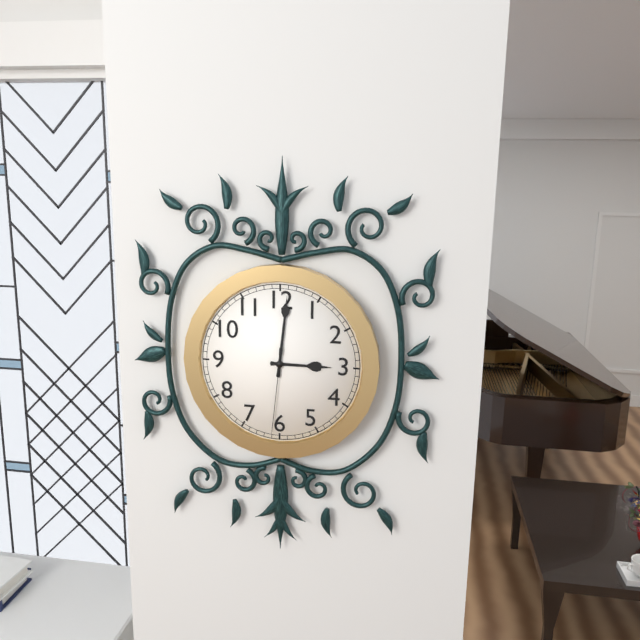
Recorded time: 3.01.31
